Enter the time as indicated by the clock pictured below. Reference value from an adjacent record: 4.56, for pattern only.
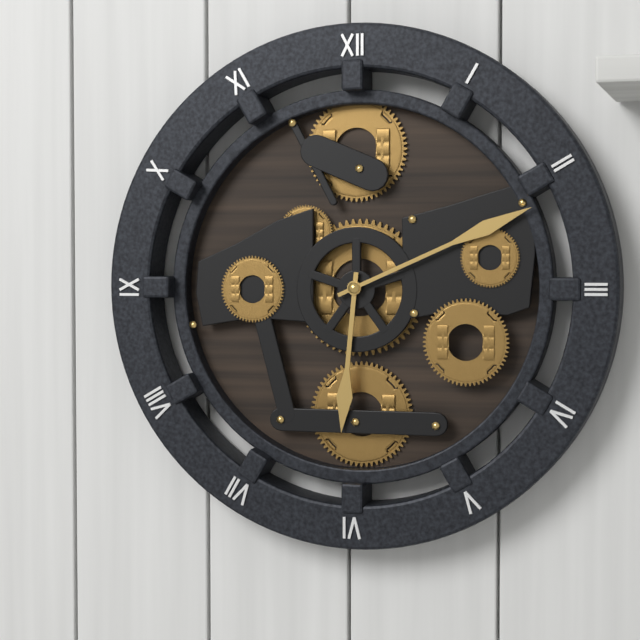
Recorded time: 6.11
